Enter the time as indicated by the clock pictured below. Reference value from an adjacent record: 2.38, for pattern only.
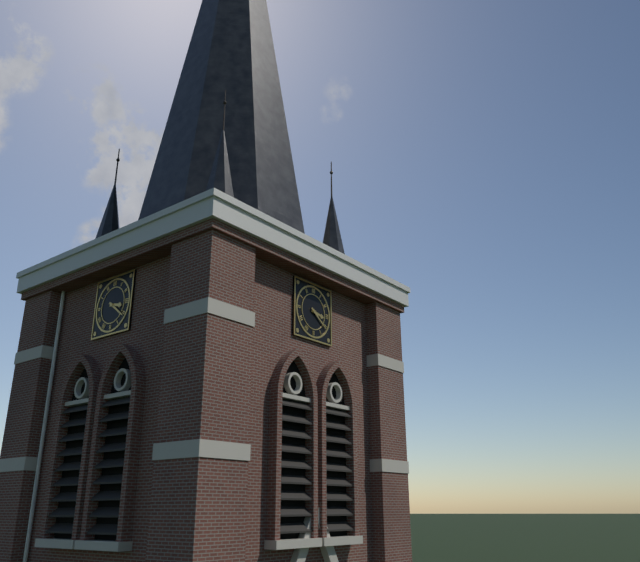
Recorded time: 3.21
